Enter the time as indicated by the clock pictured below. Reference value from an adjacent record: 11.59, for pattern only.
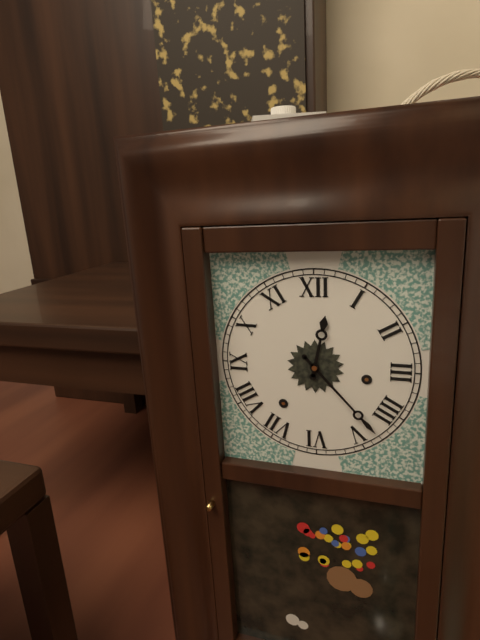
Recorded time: 12.23
